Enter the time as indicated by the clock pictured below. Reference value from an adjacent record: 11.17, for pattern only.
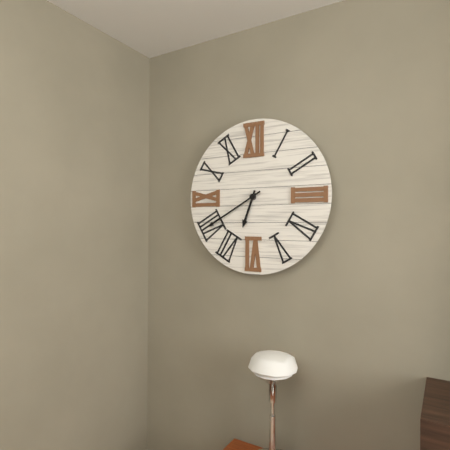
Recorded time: 6.40
